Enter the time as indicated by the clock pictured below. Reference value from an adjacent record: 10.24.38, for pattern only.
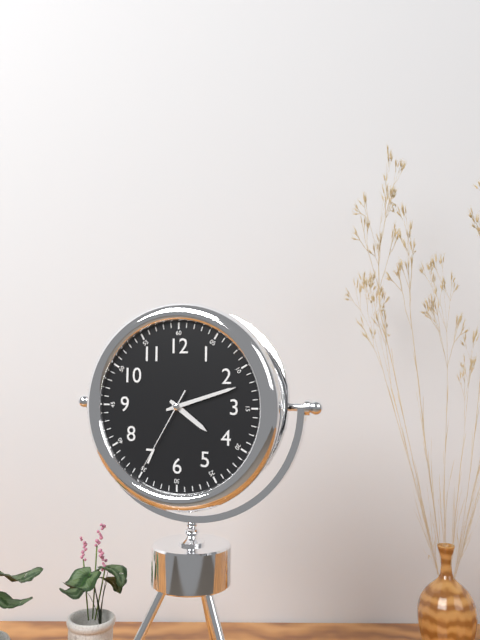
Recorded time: 4.12.35
